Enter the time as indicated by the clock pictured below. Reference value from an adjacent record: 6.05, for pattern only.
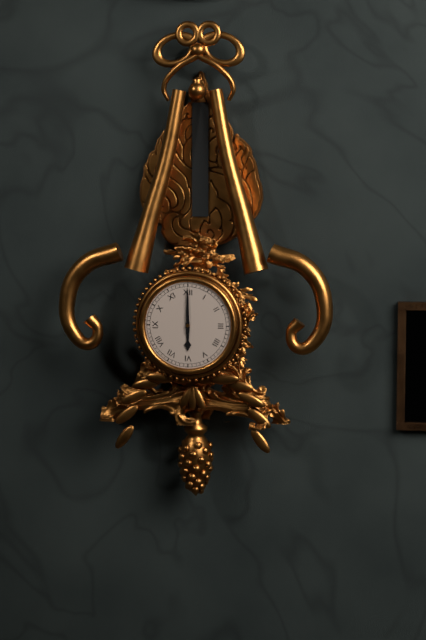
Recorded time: 6.00
